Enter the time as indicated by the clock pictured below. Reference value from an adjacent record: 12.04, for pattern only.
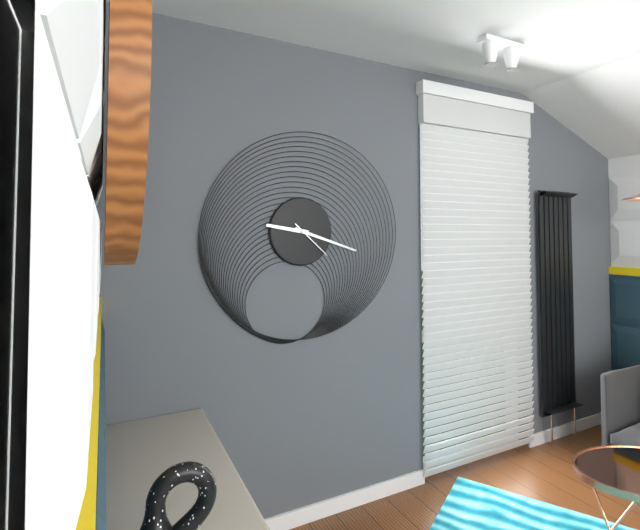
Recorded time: 9.18
